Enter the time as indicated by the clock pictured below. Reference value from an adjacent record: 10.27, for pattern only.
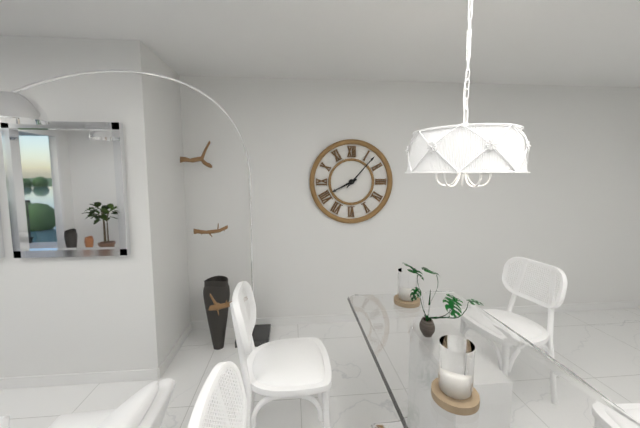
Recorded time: 8.07
